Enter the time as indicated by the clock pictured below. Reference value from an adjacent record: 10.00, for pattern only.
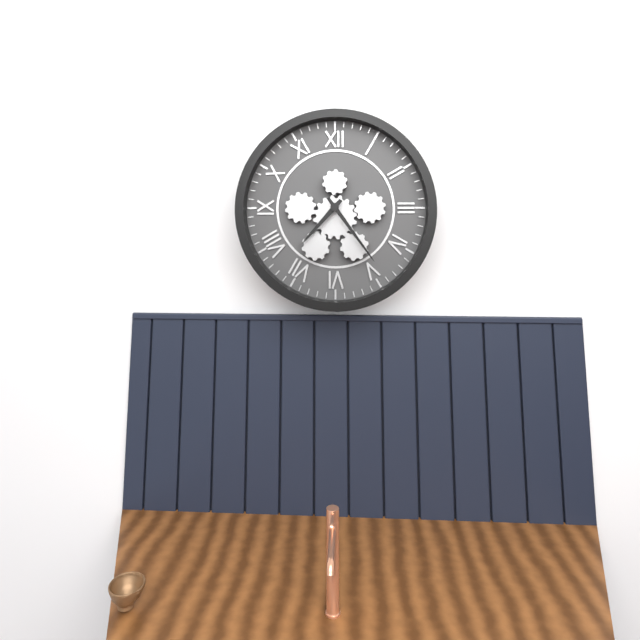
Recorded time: 7.24
